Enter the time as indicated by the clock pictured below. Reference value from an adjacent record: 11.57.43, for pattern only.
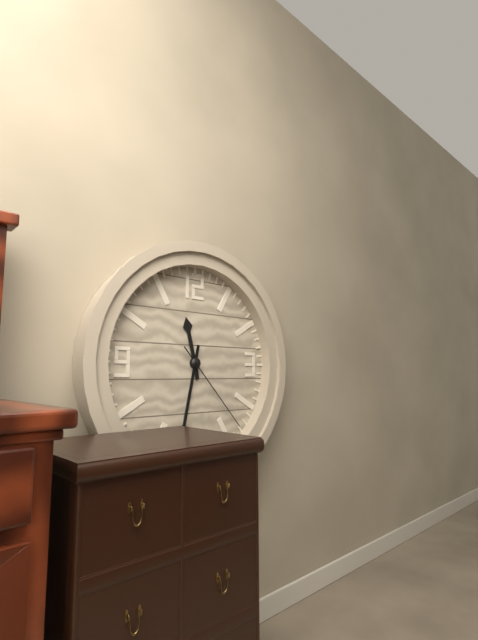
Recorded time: 11.32.23
